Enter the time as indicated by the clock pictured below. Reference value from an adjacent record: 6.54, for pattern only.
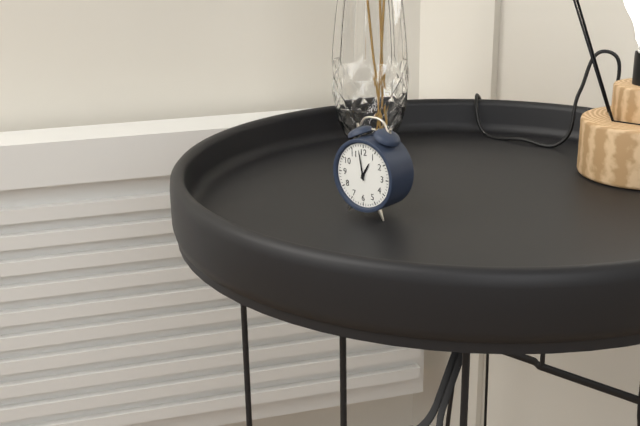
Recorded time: 12.58
